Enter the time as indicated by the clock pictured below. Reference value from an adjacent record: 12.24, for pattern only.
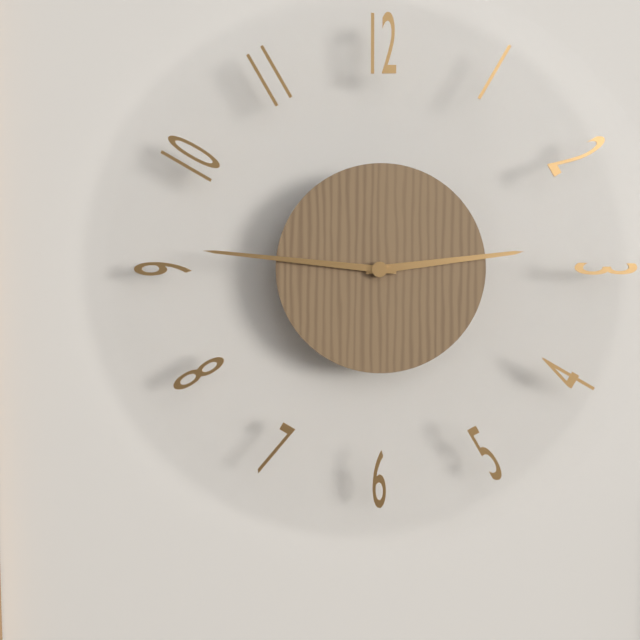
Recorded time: 2.46
